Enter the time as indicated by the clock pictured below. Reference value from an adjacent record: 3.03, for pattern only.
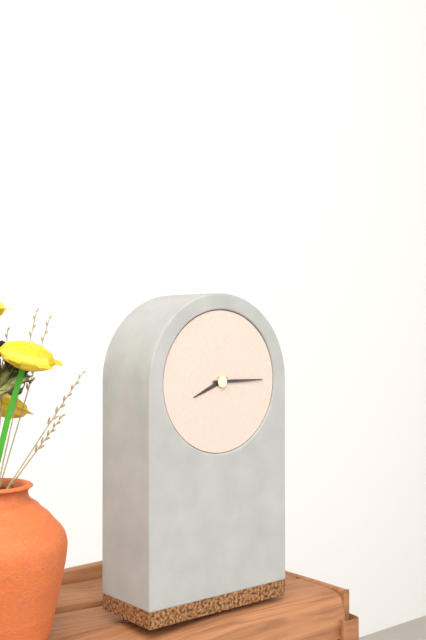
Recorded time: 8.15
